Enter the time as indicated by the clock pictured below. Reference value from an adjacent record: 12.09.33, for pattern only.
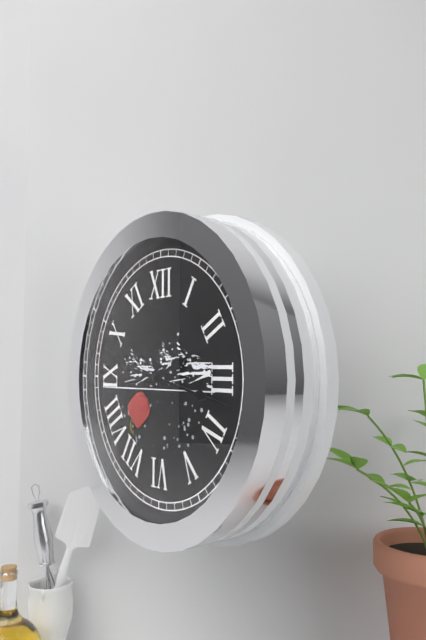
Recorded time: 2.17.48
